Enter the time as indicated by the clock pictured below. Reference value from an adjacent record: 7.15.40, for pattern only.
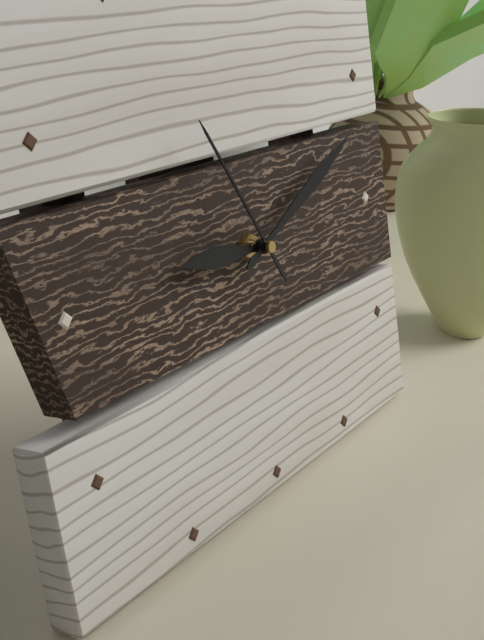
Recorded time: 9.11.55
